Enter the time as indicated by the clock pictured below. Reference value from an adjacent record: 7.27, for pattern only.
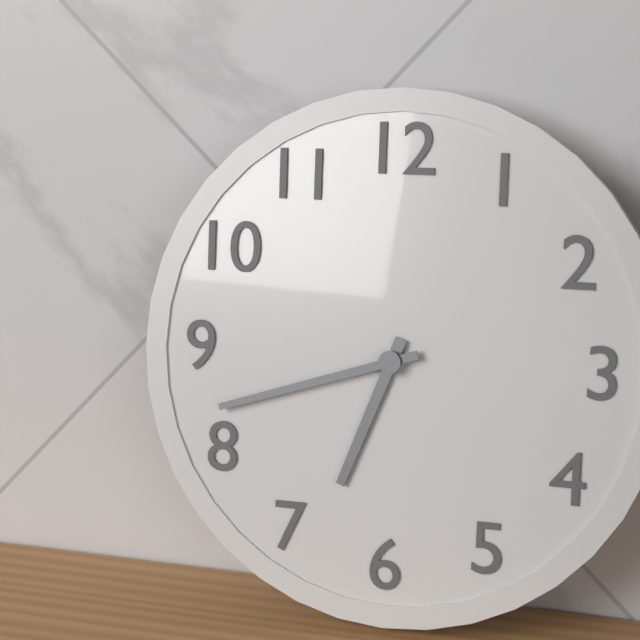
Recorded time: 6.42
